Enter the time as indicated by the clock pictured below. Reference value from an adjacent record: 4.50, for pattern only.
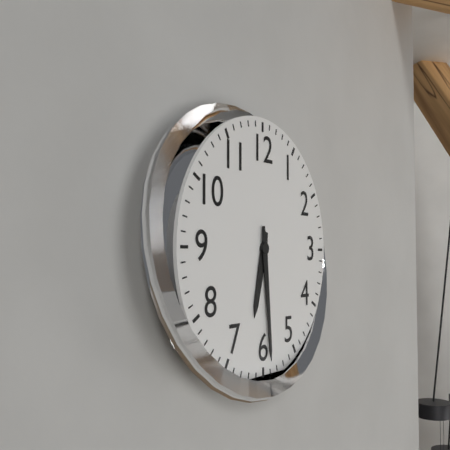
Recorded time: 6.29
